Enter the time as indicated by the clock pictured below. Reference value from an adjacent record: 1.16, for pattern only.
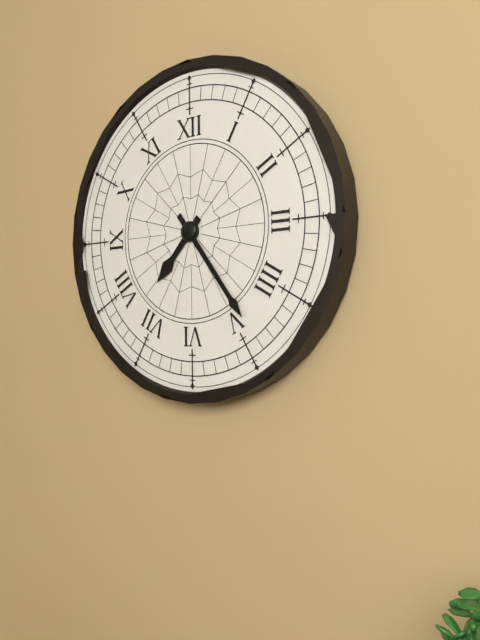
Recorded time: 7.24
